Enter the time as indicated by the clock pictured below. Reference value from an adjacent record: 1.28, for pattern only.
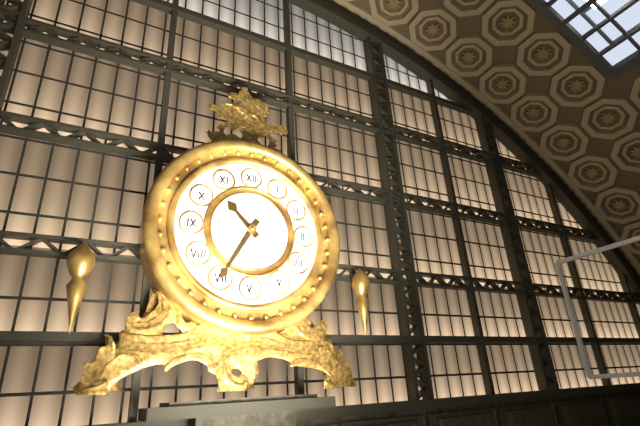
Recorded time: 10.35
